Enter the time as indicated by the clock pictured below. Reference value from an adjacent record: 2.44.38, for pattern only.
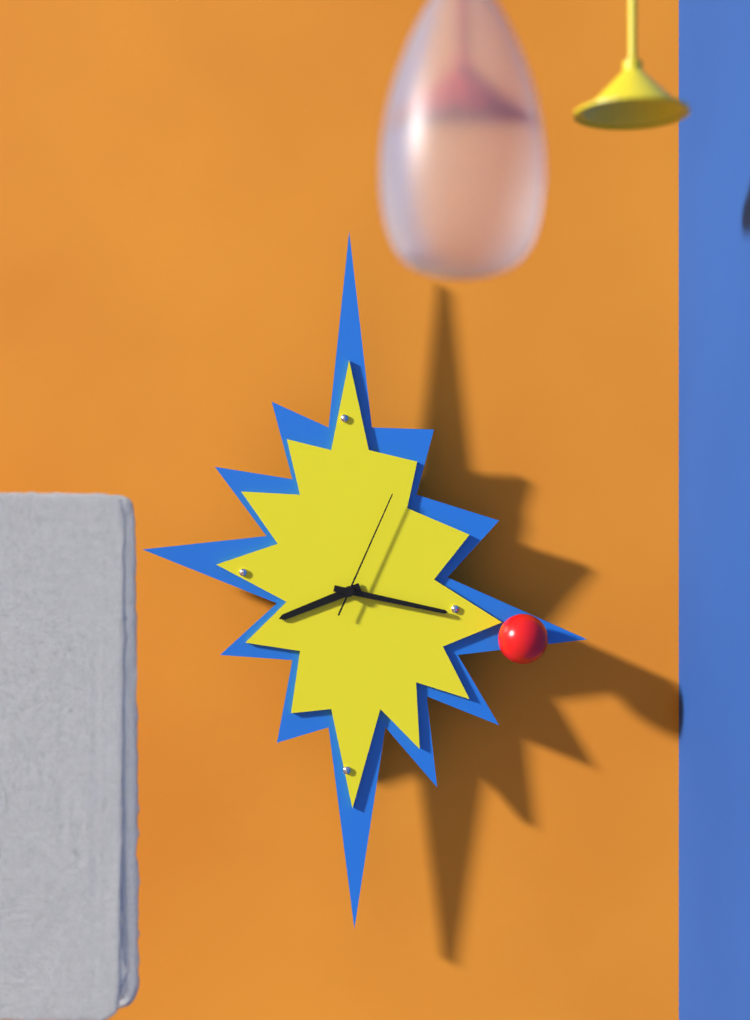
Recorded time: 8.17.04
